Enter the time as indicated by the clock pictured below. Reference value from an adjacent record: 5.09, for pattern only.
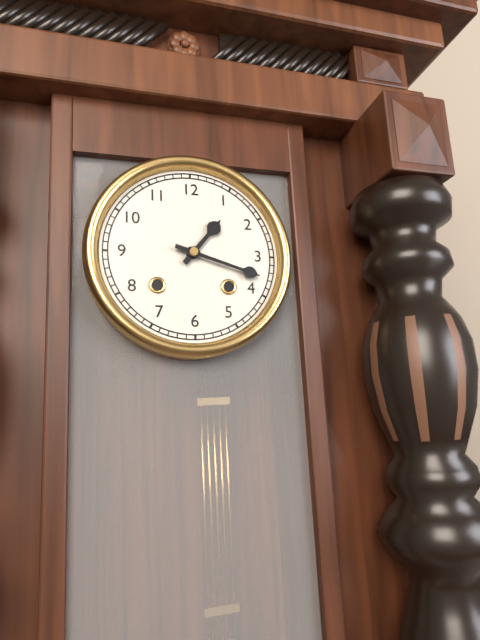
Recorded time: 1.18
